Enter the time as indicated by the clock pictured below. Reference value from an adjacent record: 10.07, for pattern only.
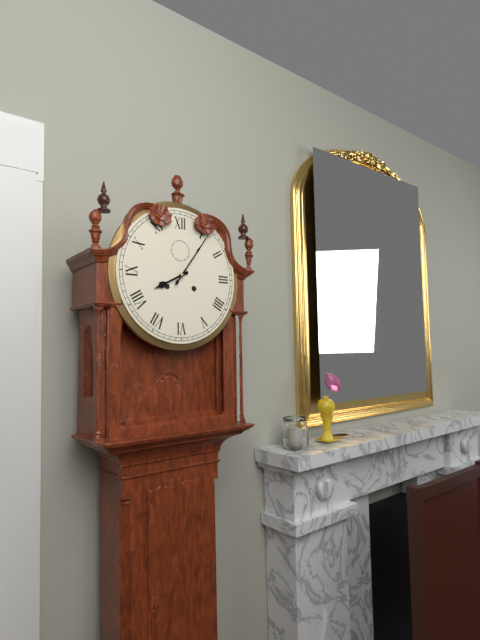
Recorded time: 8.06
